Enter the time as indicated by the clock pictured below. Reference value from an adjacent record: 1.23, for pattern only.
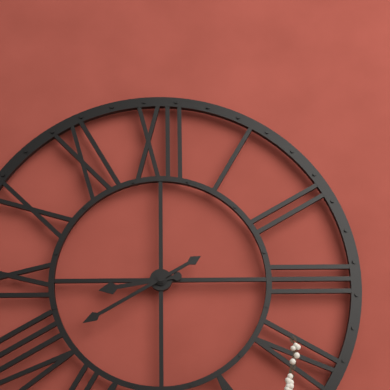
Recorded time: 8.40
